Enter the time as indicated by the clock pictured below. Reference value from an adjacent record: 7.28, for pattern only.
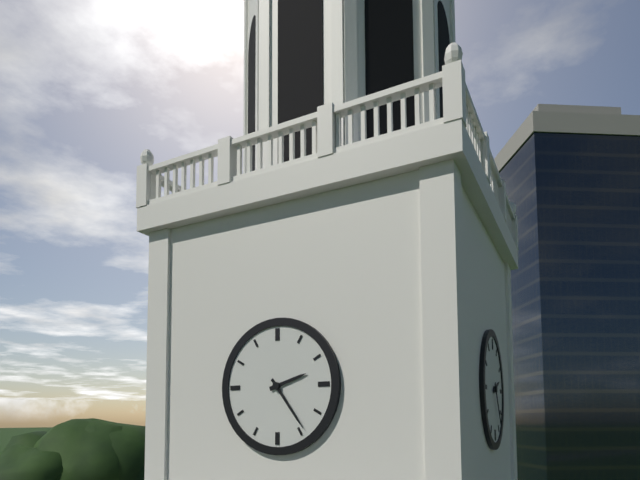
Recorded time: 2.24
